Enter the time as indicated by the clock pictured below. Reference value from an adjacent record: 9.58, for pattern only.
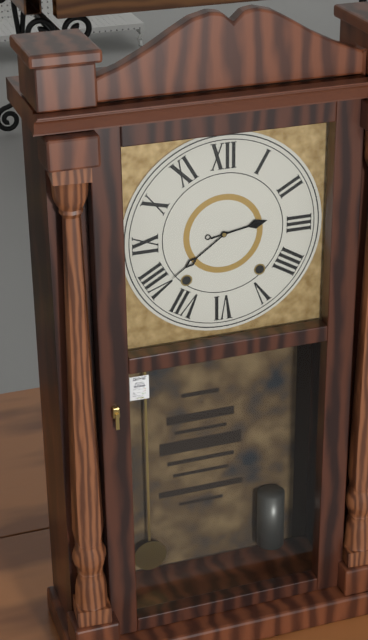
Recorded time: 2.39
